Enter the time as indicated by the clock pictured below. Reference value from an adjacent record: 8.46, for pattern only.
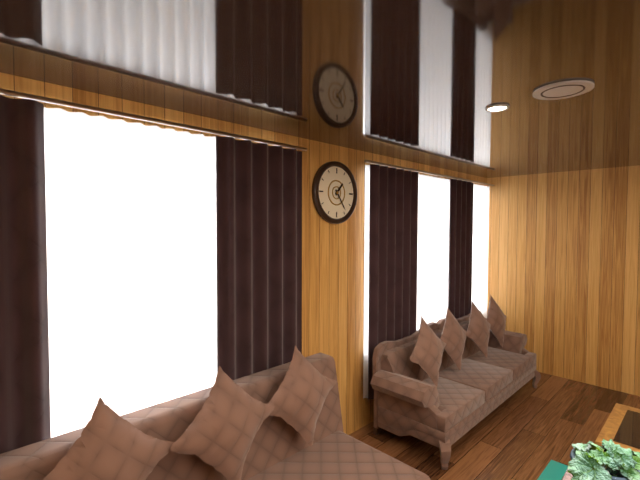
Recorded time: 1.24
